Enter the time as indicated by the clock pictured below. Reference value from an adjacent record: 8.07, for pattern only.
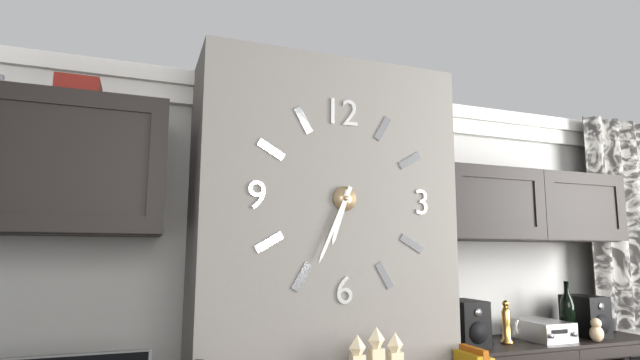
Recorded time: 6.34
